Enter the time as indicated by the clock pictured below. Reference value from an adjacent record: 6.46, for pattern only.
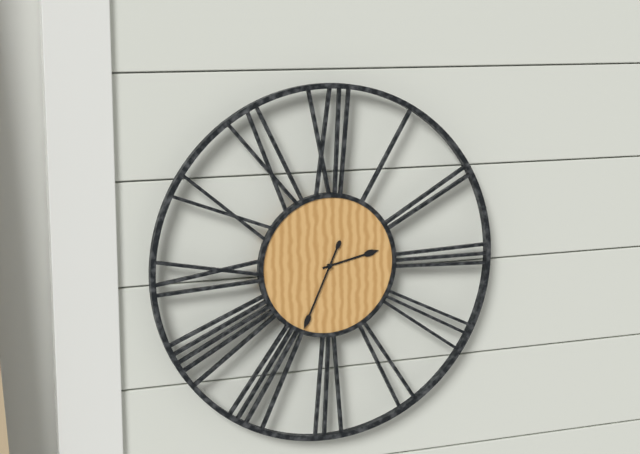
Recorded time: 2.34
